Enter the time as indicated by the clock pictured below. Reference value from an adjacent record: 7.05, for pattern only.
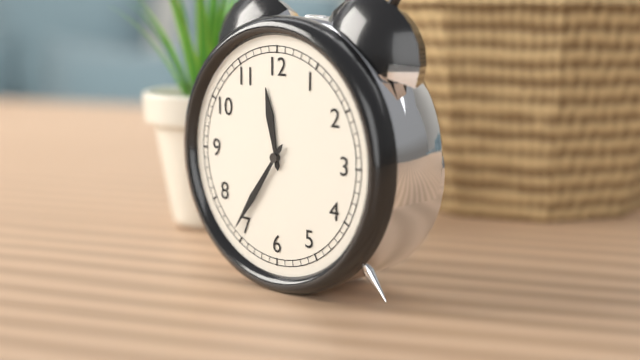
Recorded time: 11.36
